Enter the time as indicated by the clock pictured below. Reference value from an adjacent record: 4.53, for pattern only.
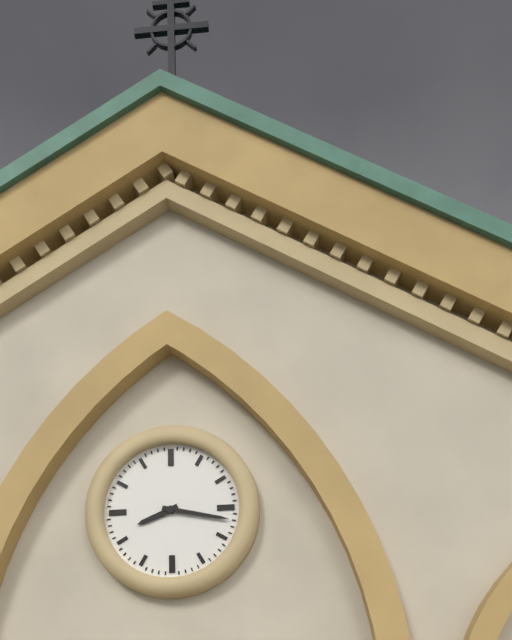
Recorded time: 8.17
